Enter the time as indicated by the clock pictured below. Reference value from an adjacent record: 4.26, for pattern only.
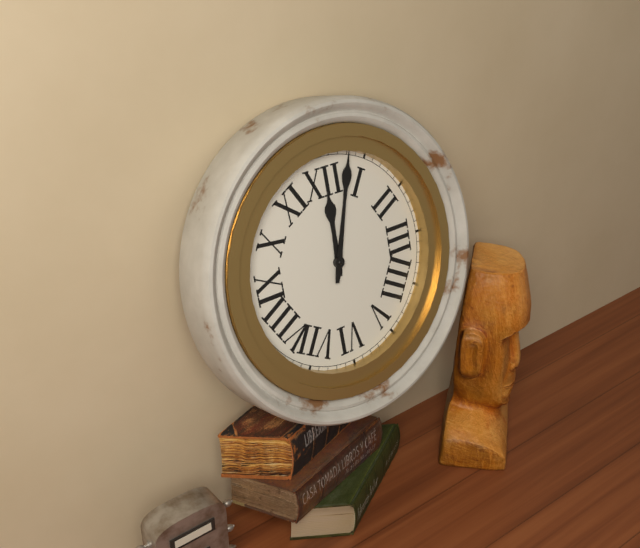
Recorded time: 12.03
